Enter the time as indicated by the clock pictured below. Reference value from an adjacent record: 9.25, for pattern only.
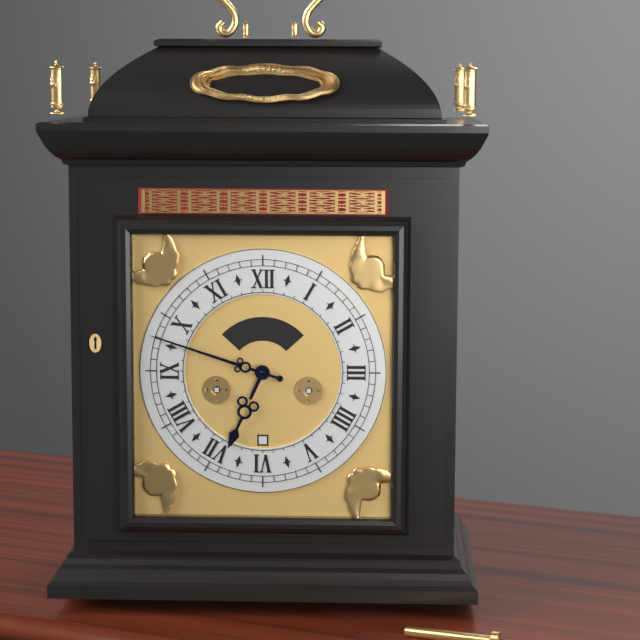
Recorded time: 6.48
